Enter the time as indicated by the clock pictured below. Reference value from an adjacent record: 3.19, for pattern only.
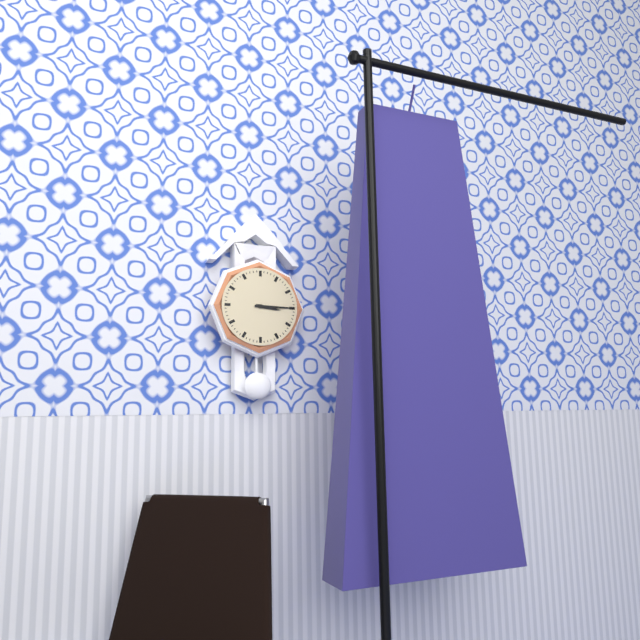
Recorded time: 3.15
